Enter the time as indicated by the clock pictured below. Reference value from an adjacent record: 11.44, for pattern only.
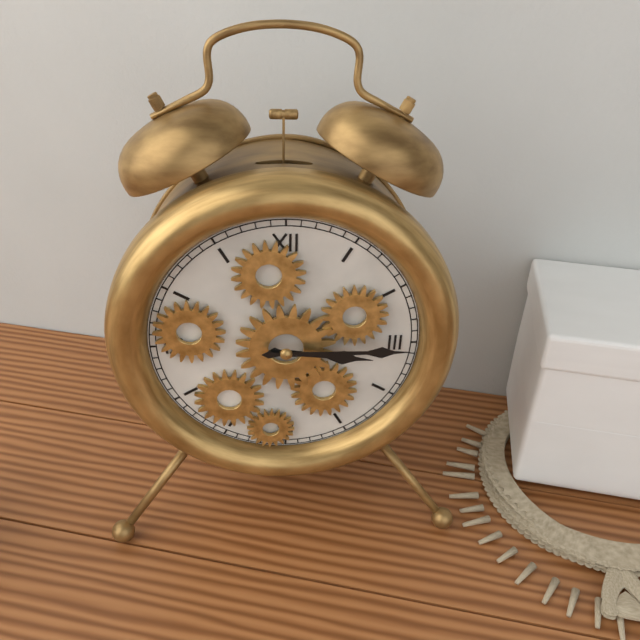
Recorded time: 3.15
